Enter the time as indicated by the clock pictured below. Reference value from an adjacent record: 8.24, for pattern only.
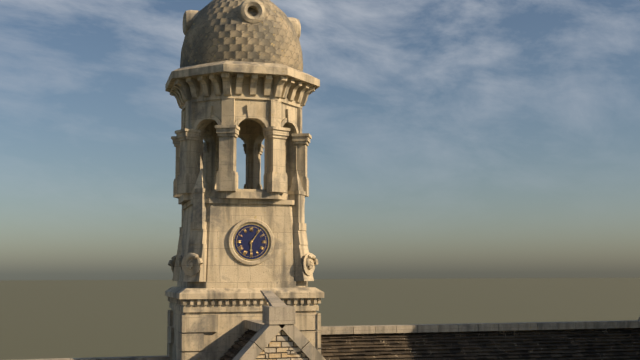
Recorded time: 6.06
